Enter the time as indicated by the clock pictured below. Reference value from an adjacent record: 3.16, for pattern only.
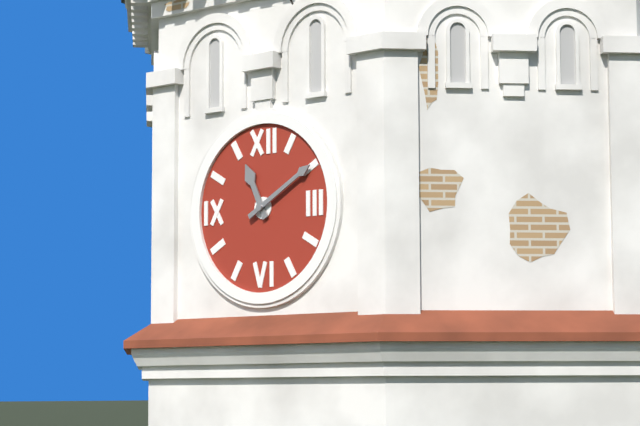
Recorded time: 11.10
